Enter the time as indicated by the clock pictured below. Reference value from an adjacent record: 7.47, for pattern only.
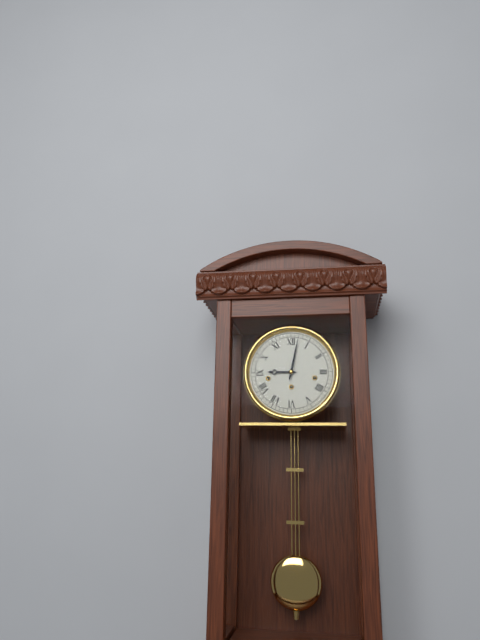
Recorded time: 9.02
